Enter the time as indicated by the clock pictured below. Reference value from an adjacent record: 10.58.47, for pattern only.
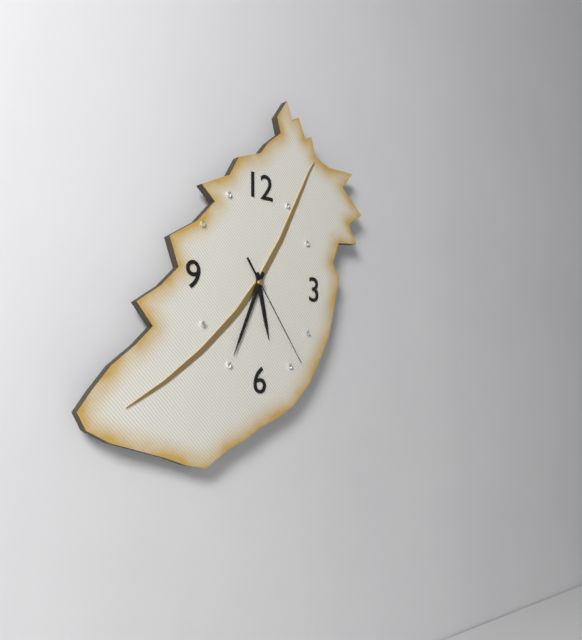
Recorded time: 5.34.24
